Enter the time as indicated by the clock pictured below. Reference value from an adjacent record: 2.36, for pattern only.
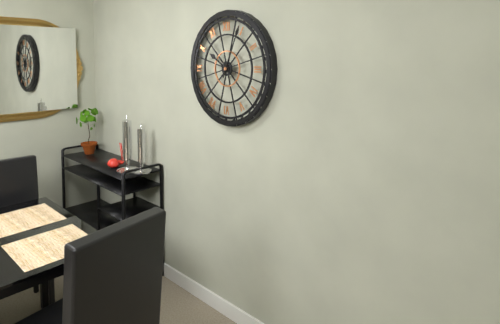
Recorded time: 10.04
